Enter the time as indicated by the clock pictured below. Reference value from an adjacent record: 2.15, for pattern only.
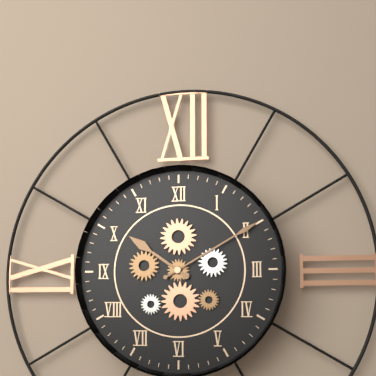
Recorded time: 10.10
